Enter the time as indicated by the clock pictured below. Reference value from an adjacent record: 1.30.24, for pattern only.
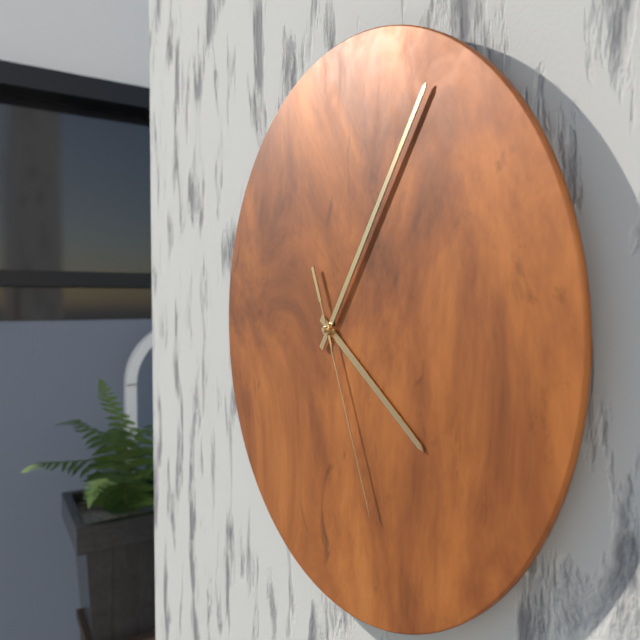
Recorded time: 4.06.26
